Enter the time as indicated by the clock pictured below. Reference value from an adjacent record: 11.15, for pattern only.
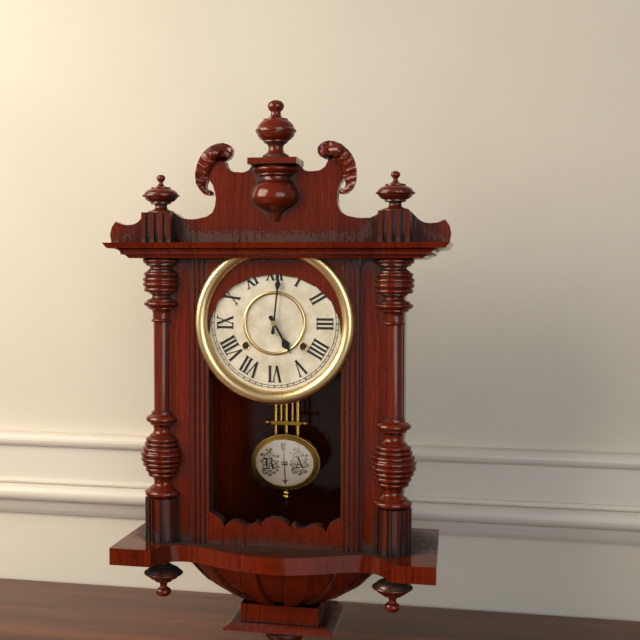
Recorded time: 5.01
